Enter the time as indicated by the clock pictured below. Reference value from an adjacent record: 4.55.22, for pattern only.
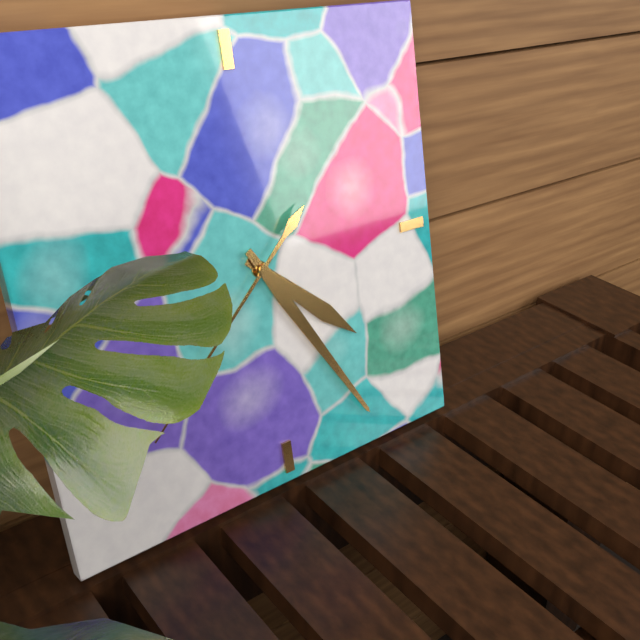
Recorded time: 4.25.38
